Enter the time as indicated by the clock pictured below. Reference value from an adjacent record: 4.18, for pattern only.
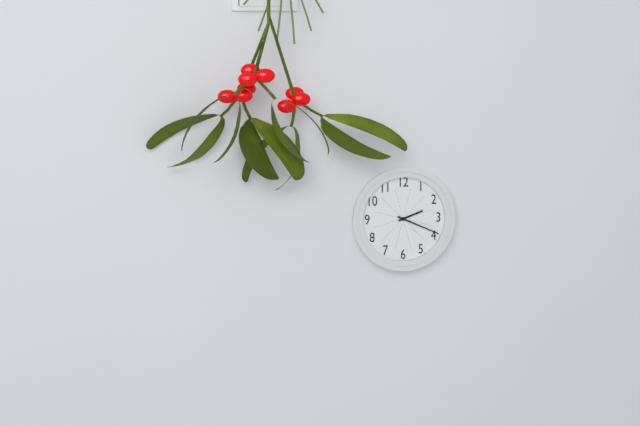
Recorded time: 2.19
